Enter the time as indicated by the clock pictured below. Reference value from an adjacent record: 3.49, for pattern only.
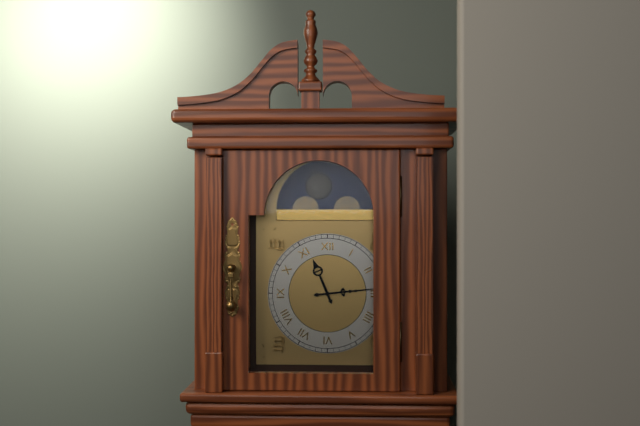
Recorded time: 11.14
